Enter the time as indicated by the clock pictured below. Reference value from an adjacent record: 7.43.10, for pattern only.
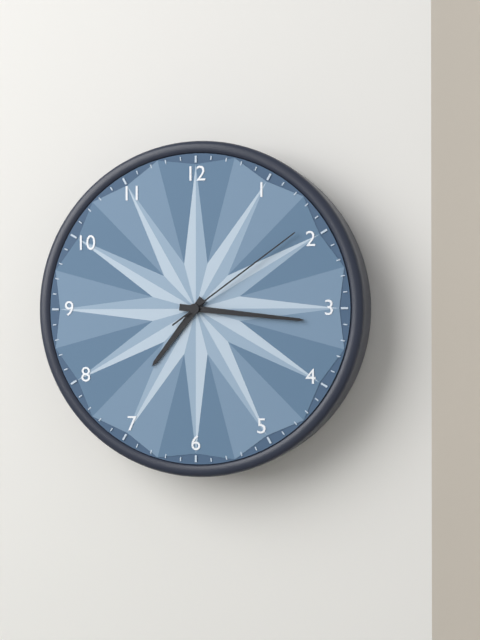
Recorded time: 7.16.09
